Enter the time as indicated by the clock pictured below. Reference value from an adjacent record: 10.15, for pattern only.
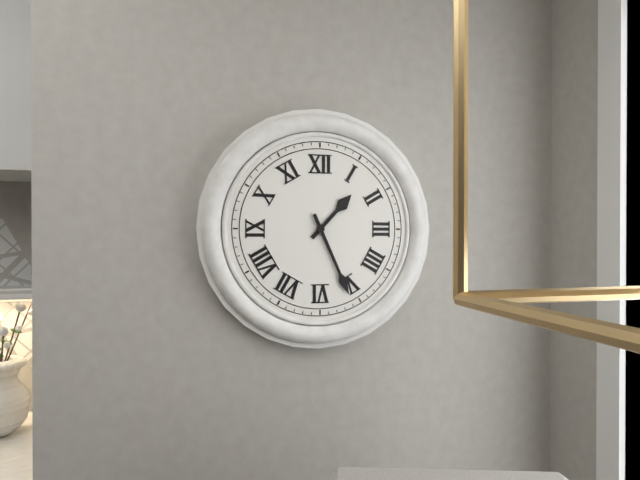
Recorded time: 1.26
